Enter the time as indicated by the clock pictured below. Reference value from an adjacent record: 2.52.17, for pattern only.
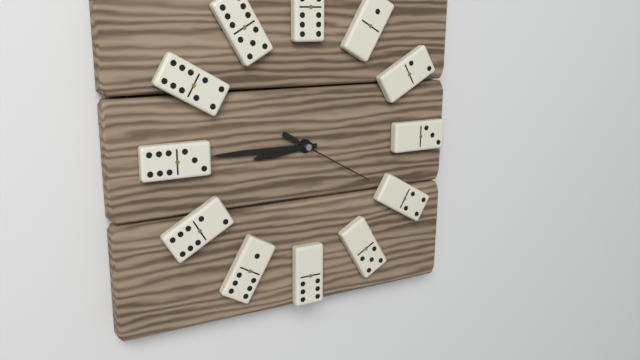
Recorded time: 8.45.20
